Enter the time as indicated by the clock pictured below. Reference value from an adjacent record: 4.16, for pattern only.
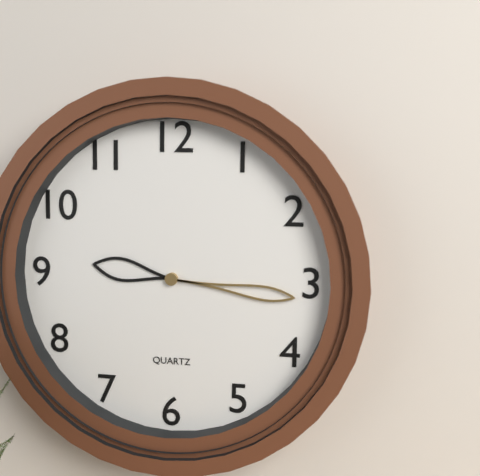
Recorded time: 9.16
